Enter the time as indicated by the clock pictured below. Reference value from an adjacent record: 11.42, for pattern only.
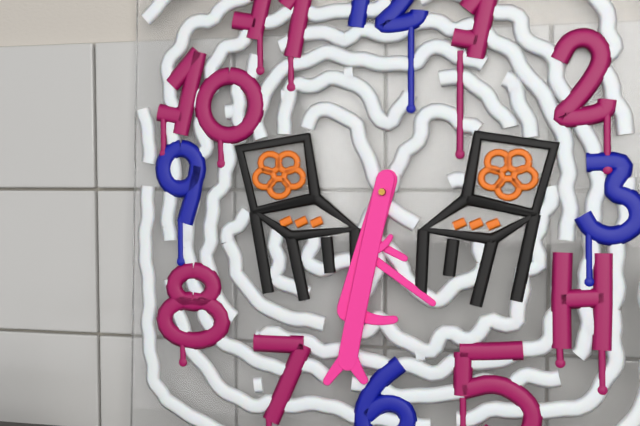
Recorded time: 6.32
